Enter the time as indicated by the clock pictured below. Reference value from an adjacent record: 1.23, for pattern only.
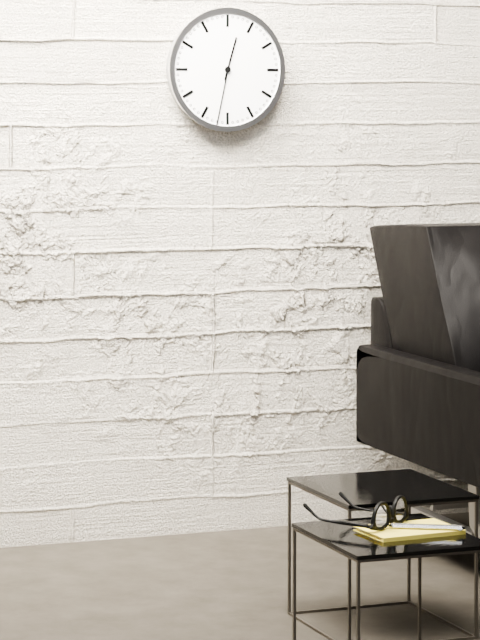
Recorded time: 12.32
